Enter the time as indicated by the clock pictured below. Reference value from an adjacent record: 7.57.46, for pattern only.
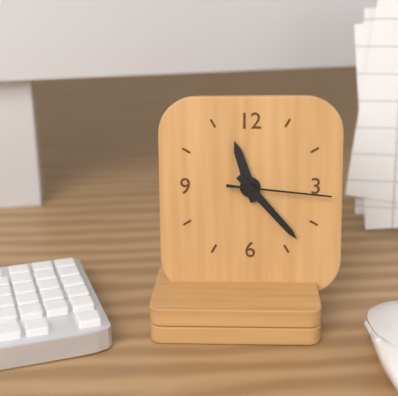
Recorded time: 11.23.16
